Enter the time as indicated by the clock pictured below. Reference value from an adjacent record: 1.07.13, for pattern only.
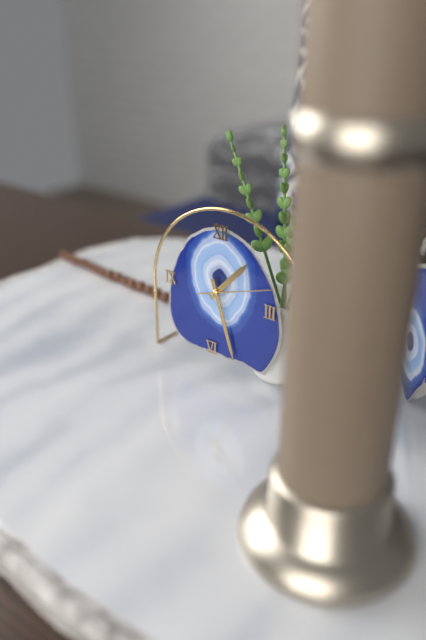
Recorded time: 1.27.12
